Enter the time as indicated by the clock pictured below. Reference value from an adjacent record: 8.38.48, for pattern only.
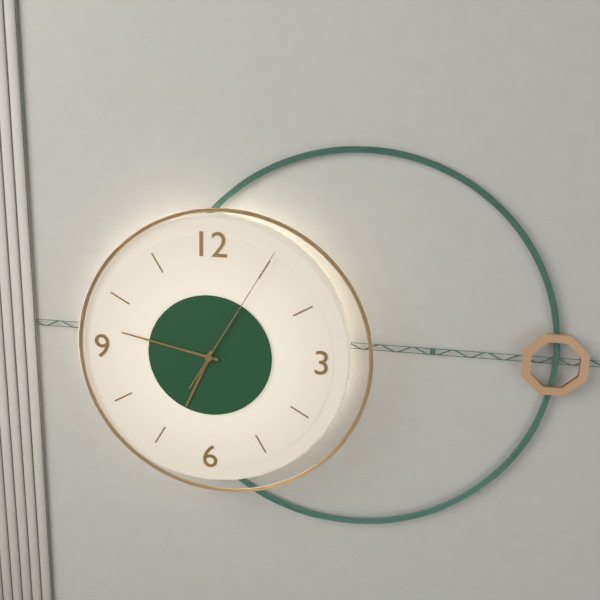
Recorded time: 6.47.05
